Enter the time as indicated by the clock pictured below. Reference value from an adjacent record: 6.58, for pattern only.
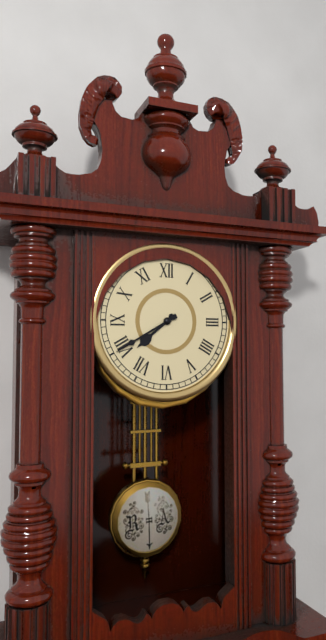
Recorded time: 7.40
